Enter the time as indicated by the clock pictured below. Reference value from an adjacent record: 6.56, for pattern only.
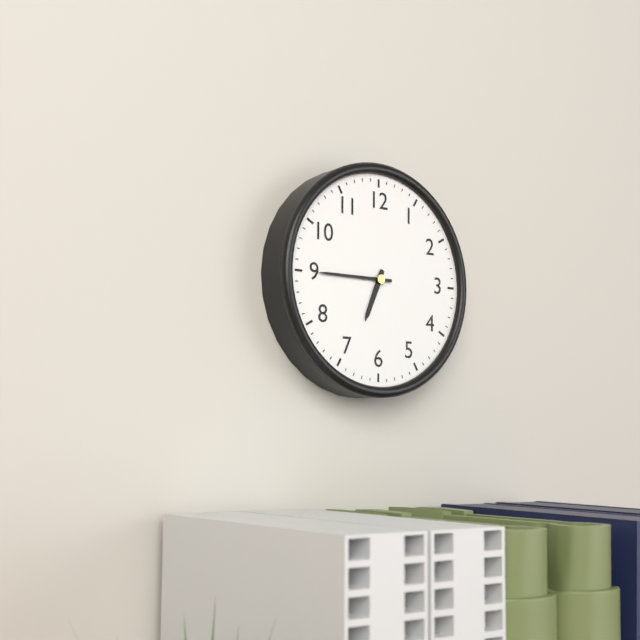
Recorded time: 6.45
